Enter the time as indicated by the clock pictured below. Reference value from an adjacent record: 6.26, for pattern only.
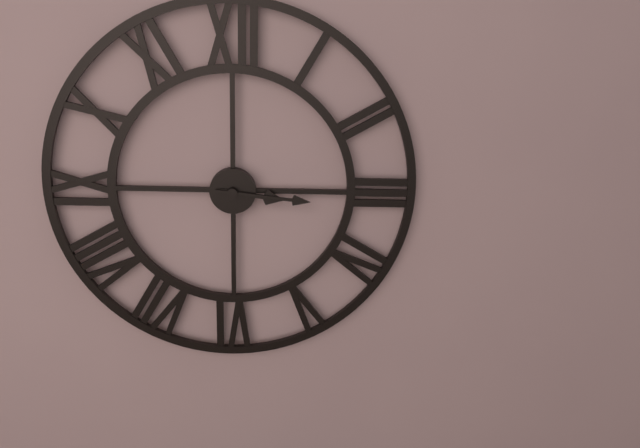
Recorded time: 3.16
